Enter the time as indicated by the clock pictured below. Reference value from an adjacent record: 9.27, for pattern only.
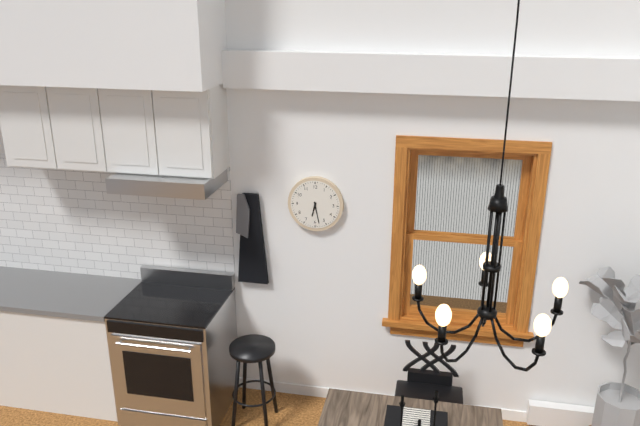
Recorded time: 6.28
